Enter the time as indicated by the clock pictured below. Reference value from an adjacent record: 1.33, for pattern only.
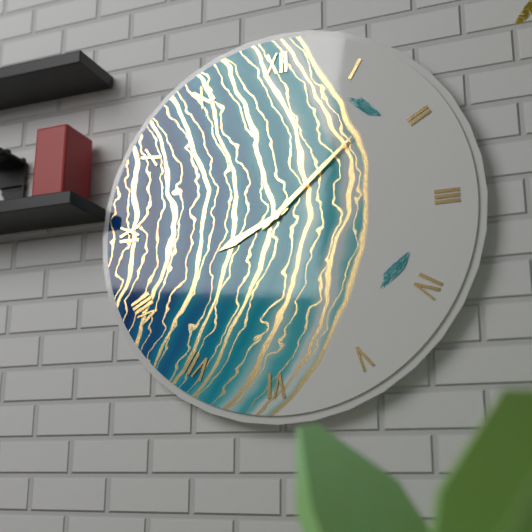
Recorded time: 8.08
